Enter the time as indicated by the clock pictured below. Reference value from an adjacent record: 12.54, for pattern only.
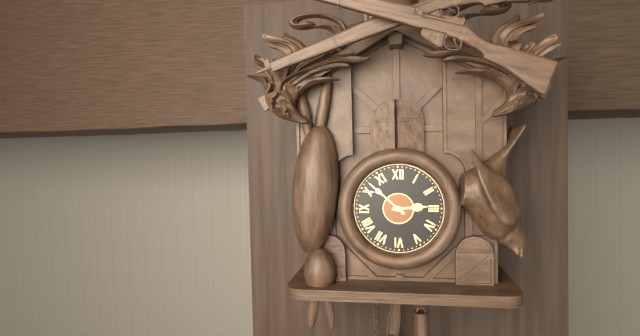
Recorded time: 2.52
